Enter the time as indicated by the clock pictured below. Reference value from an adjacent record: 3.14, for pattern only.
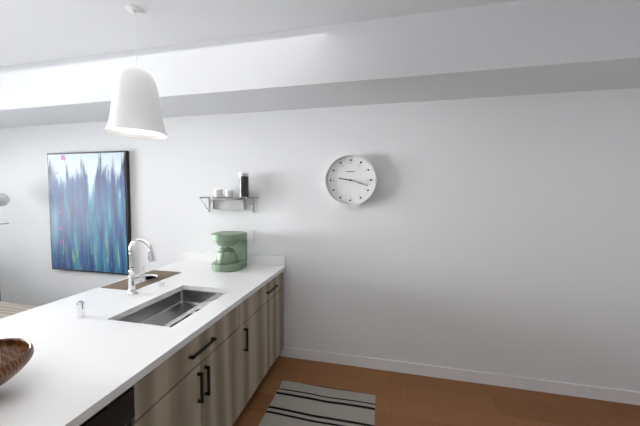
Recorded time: 9.18
